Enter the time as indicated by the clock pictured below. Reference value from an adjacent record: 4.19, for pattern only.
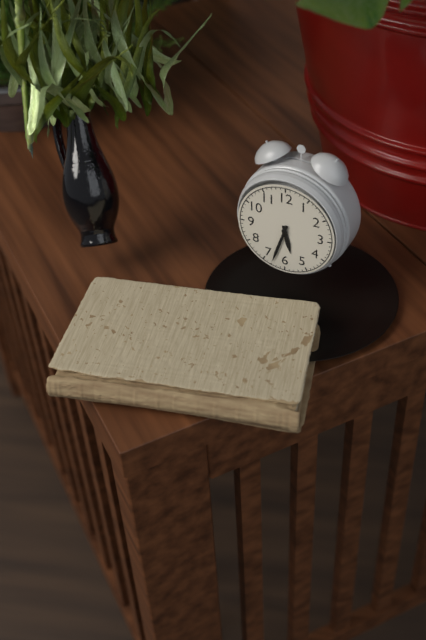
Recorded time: 5.33
